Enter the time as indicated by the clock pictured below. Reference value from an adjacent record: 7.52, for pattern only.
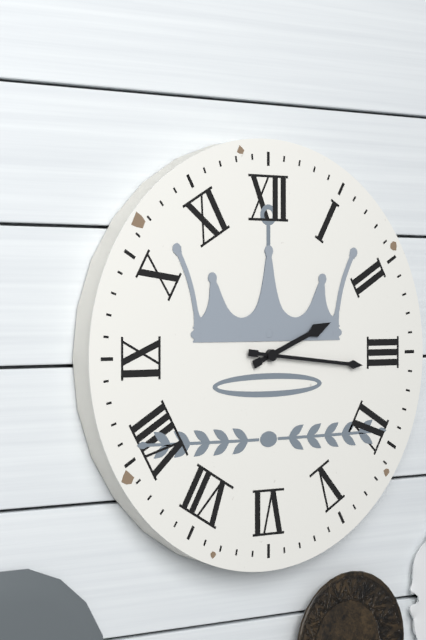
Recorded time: 2.16
